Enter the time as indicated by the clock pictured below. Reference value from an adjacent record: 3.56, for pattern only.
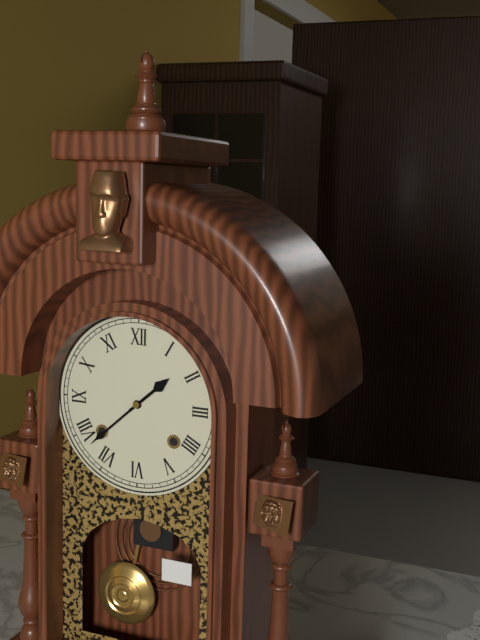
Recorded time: 1.38
